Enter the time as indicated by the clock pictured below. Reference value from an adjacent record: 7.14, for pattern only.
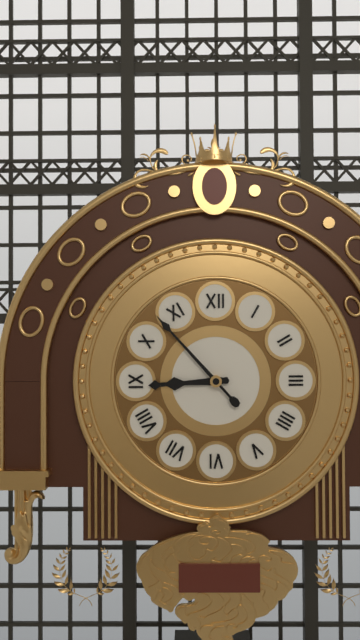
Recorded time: 8.53
